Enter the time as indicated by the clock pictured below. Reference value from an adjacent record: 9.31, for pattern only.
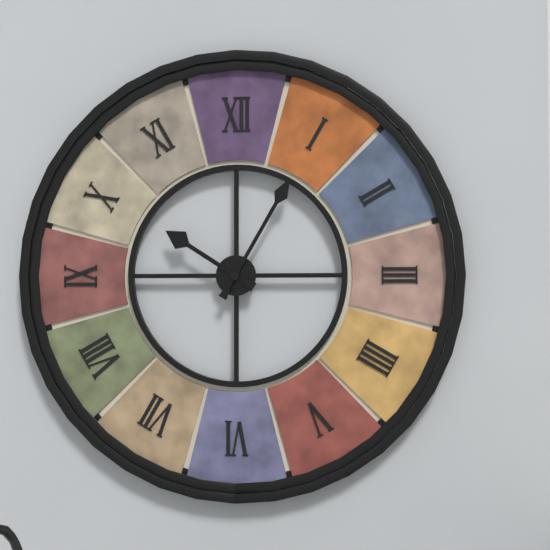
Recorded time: 10.05
